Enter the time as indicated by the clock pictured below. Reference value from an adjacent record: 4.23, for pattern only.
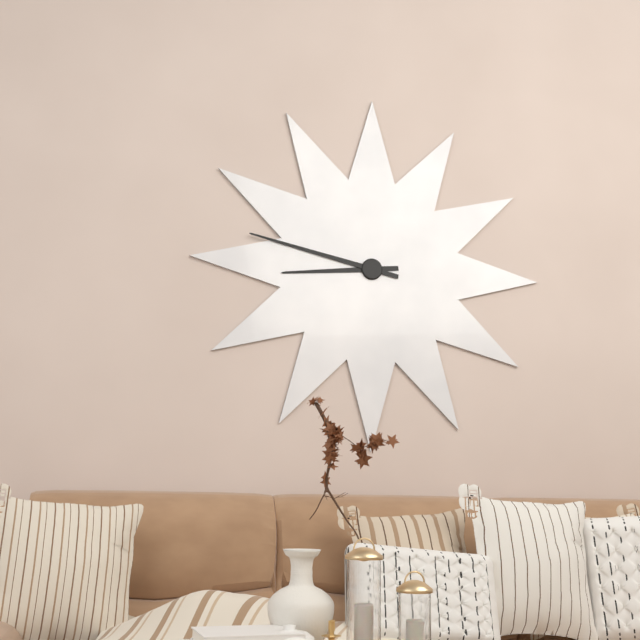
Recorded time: 8.47
